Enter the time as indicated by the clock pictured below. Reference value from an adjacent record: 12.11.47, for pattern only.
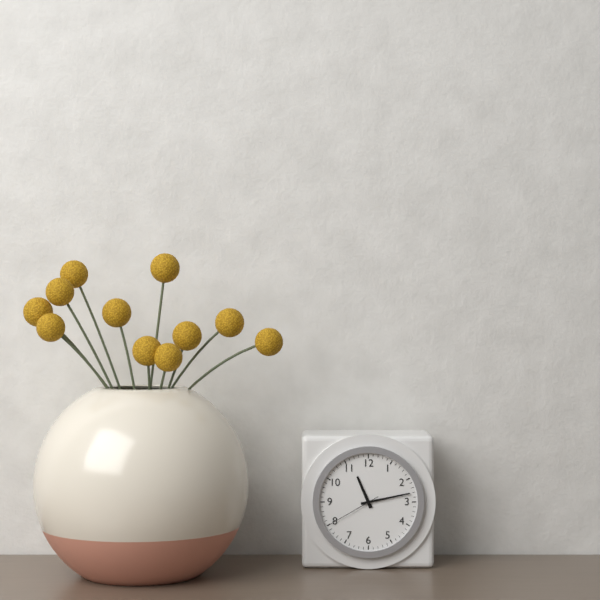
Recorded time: 11.13.40
